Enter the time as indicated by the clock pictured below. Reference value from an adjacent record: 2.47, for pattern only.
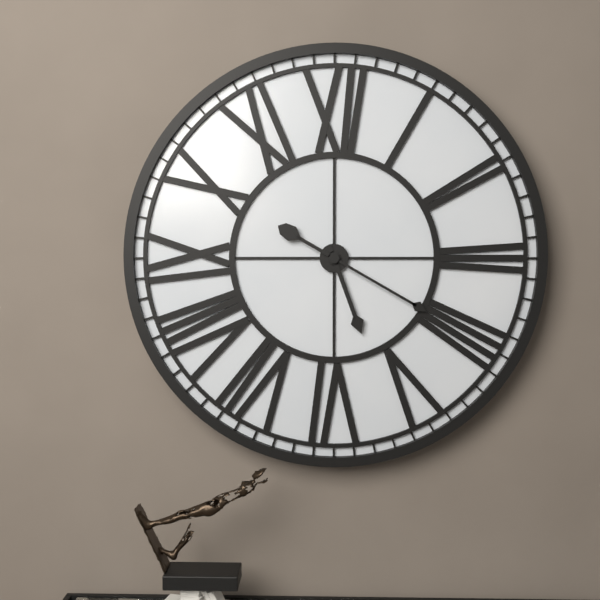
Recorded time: 5.20
